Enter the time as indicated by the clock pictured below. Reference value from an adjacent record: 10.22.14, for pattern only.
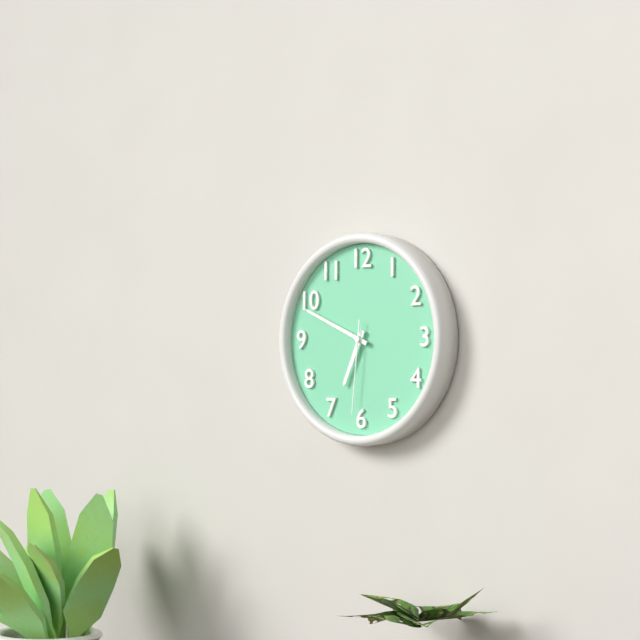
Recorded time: 6.49.31
